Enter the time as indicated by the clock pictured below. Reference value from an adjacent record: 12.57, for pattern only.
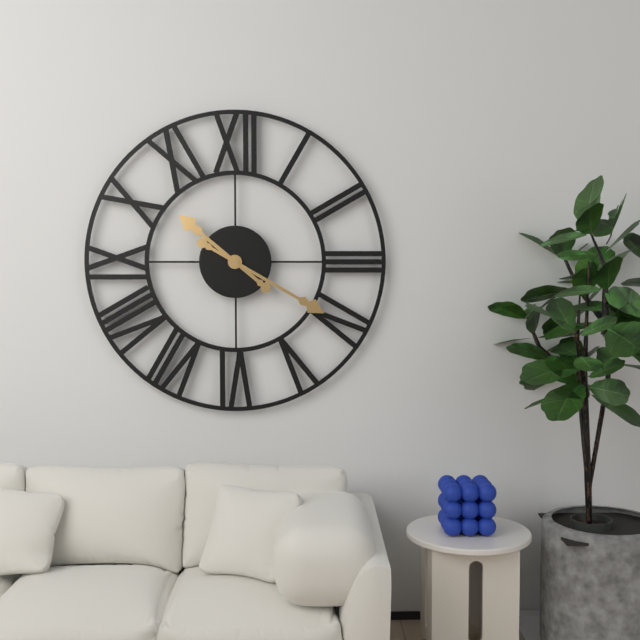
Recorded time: 10.20
